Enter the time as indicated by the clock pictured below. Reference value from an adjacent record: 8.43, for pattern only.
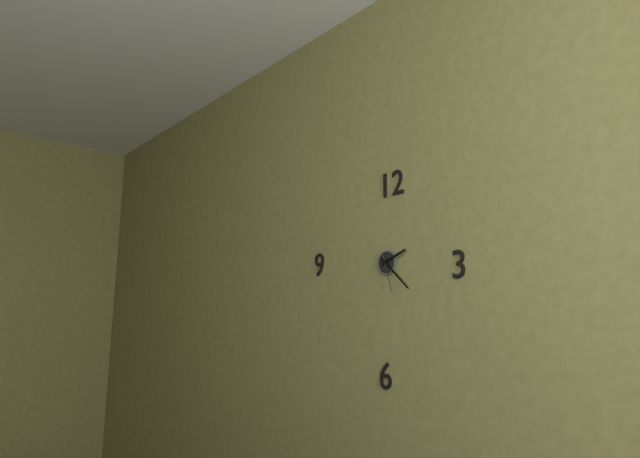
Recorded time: 2.22
